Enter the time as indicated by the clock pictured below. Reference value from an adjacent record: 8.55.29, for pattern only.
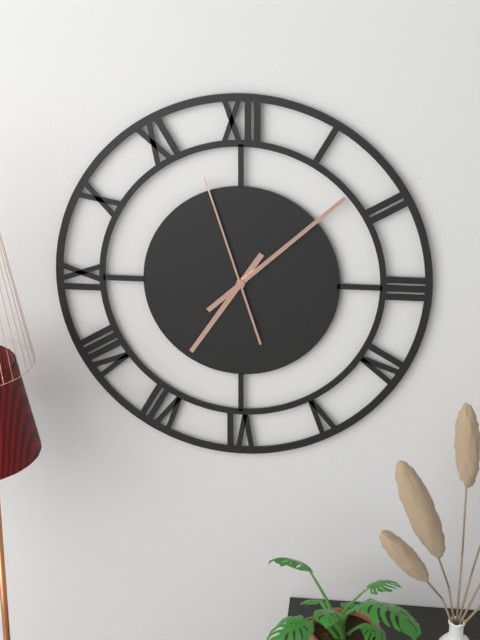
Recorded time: 7.08.57
